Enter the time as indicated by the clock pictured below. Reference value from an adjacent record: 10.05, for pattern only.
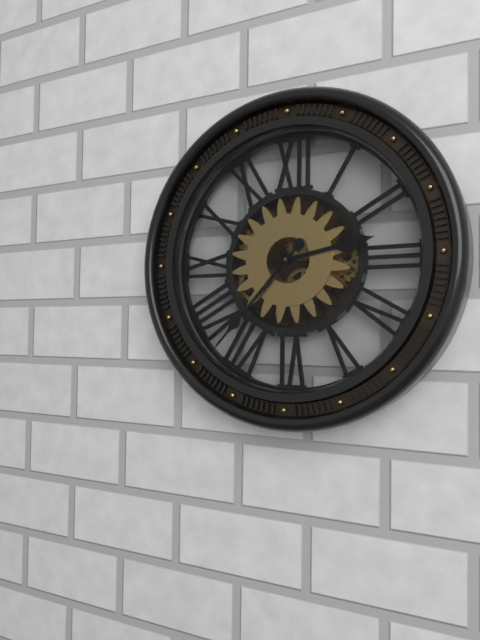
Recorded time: 2.37
